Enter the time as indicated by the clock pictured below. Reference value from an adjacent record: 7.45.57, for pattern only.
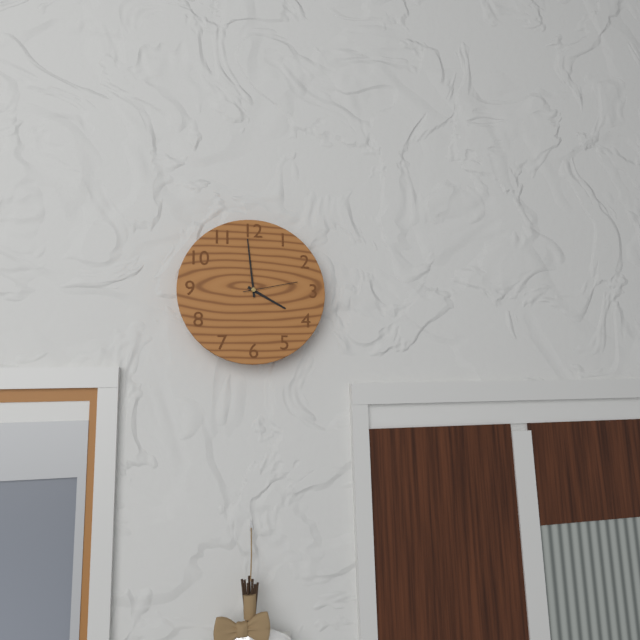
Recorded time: 3.59.13
